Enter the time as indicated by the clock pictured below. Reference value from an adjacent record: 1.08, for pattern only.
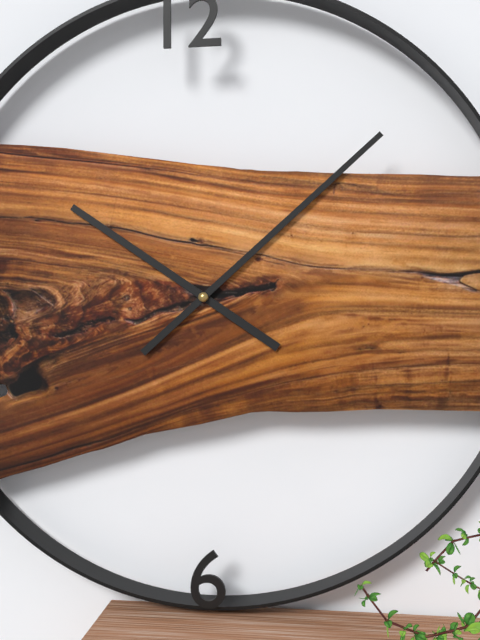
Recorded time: 10.08
